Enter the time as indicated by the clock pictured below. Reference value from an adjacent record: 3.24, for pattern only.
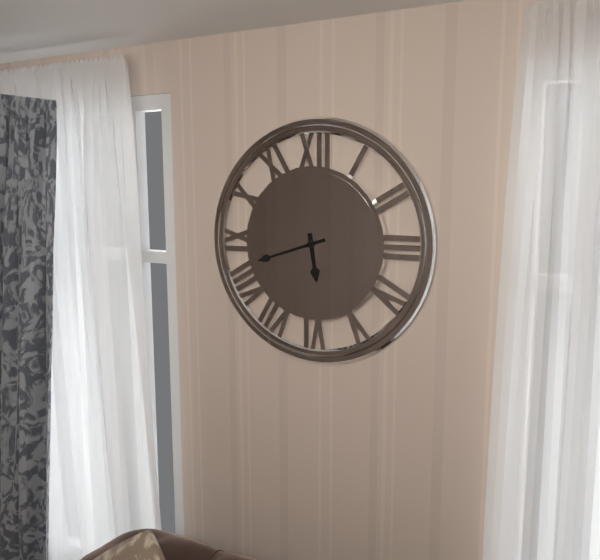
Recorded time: 5.42
